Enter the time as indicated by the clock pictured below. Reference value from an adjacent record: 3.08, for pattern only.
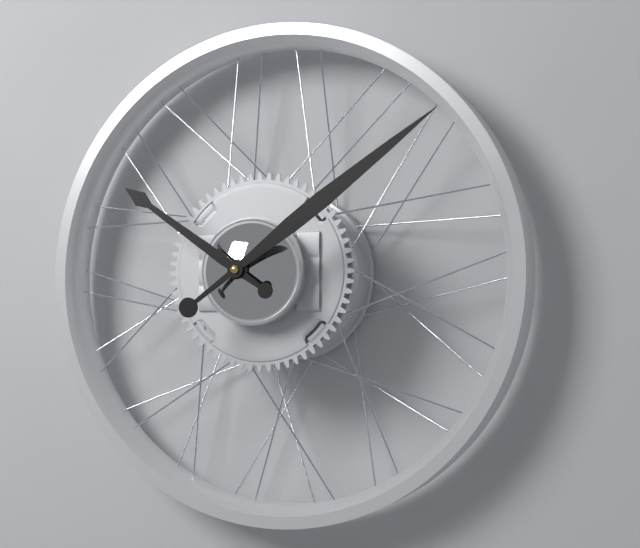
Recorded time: 10.09
